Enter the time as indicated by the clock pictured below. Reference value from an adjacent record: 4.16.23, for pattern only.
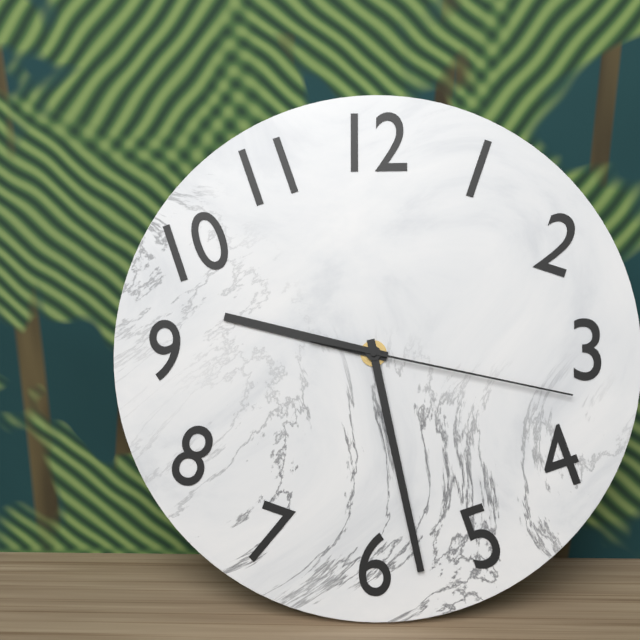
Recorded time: 9.28.17
